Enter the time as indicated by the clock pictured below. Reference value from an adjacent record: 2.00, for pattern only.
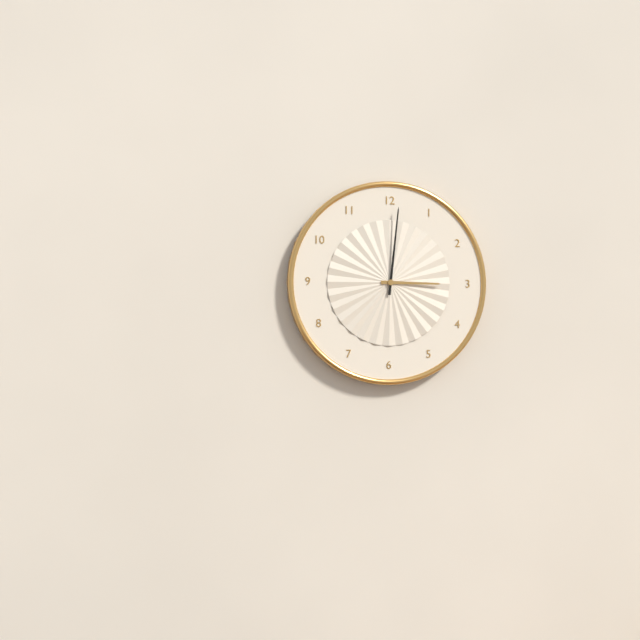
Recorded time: 3.01
